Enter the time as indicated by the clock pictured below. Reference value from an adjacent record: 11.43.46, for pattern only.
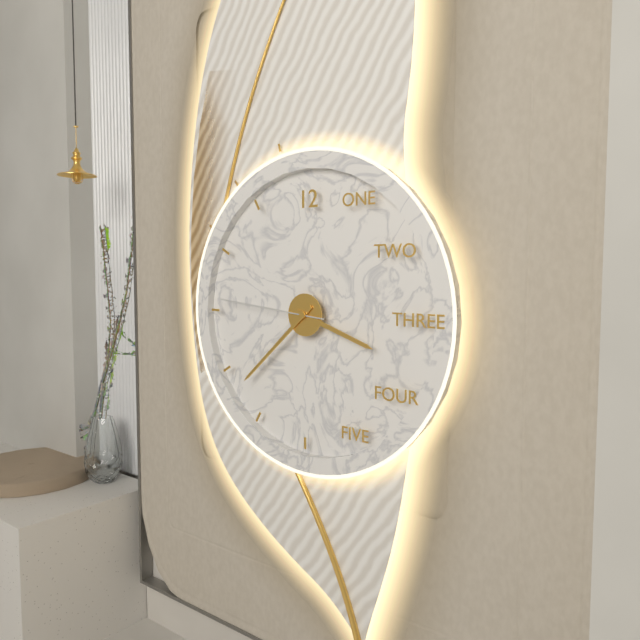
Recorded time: 3.38.46
